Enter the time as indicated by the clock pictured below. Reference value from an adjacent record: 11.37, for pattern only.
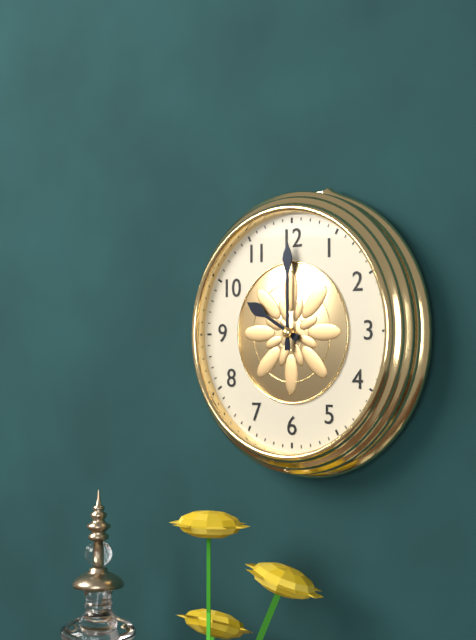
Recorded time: 10.00
